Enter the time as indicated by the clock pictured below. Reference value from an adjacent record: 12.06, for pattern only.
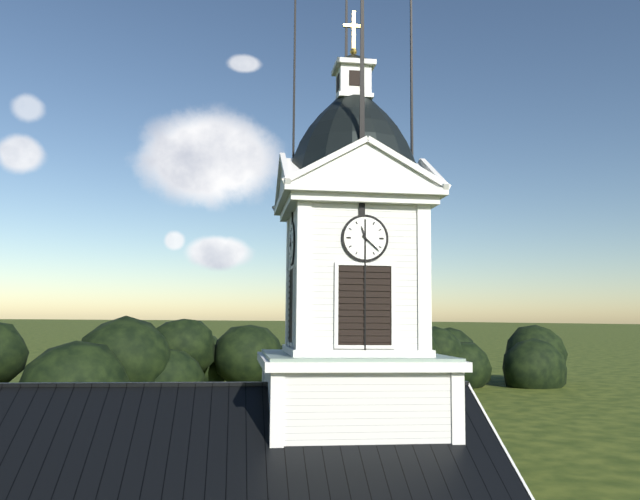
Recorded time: 11.22
